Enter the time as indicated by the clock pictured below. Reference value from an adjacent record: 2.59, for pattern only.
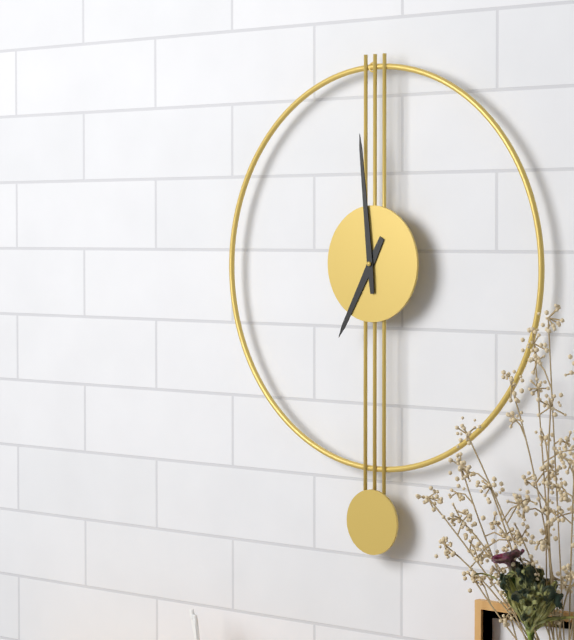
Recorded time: 6.59
